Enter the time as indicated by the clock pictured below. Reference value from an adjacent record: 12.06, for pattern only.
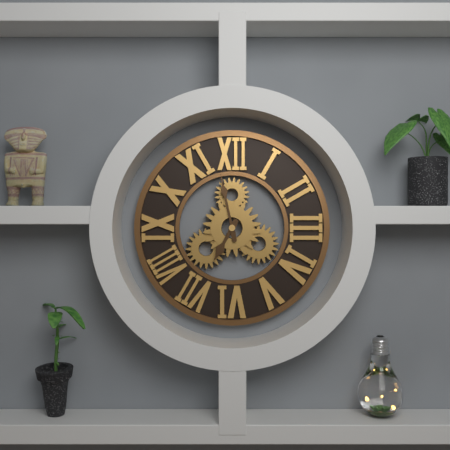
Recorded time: 6.58
